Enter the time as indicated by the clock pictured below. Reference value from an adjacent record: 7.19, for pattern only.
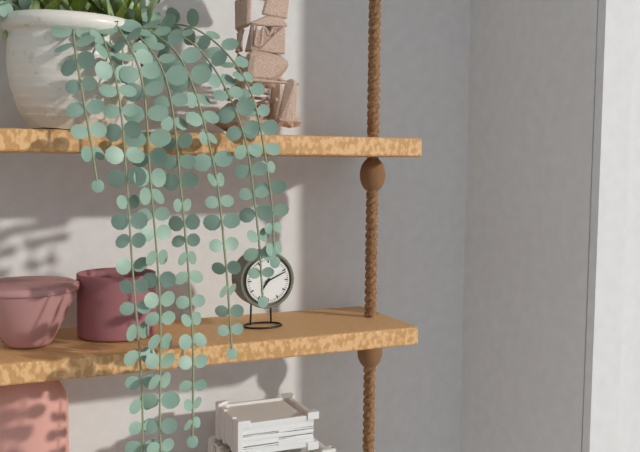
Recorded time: 7.11
